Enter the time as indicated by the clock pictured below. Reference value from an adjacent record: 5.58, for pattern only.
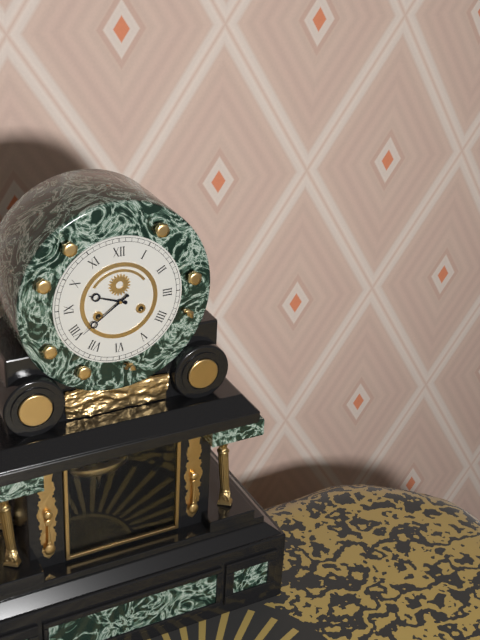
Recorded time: 9.39
